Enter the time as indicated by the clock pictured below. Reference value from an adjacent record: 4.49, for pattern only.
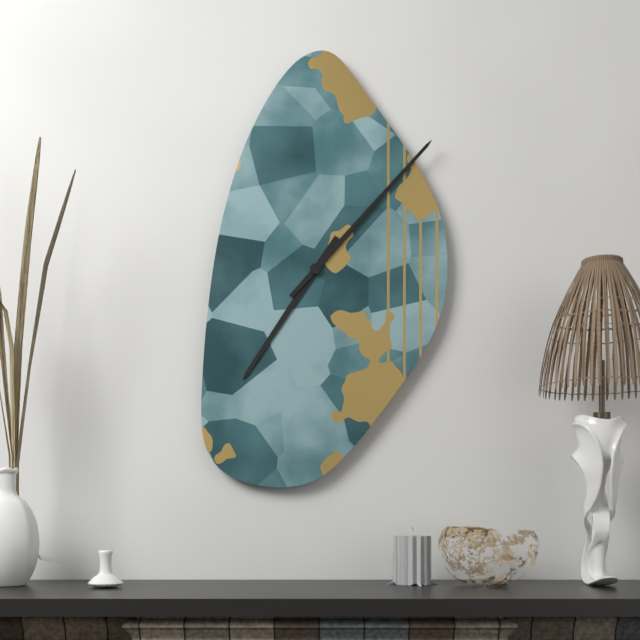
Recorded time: 7.07
